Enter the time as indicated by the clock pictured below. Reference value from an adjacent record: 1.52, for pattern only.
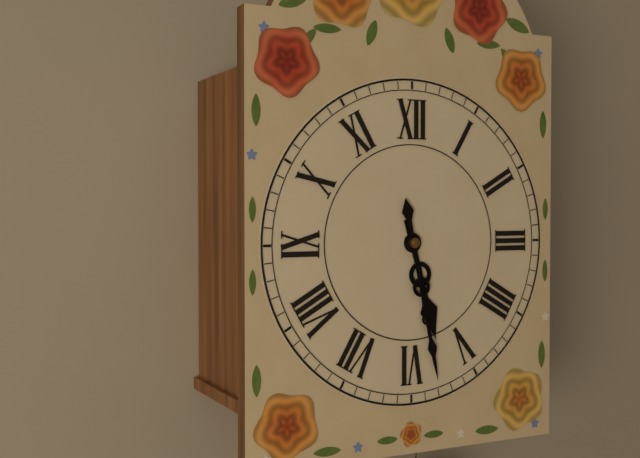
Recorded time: 5.28
